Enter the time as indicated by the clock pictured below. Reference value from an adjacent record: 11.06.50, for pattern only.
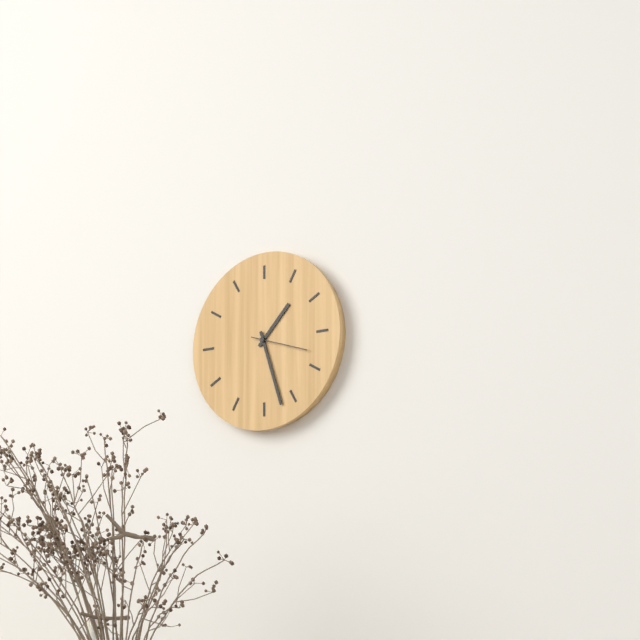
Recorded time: 1.27.18
